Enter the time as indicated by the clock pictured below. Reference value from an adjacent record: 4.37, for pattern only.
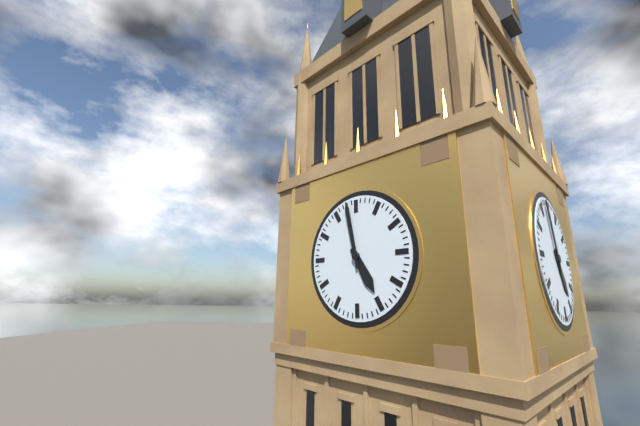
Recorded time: 4.58
